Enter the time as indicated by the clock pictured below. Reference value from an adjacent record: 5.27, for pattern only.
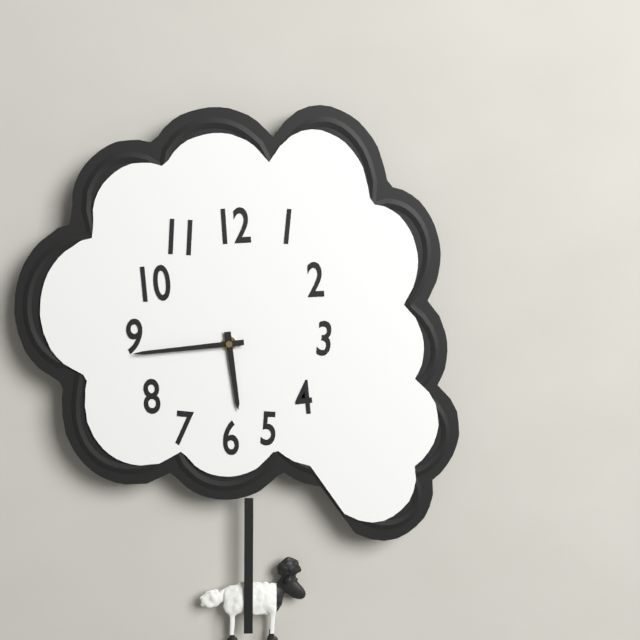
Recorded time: 5.44
